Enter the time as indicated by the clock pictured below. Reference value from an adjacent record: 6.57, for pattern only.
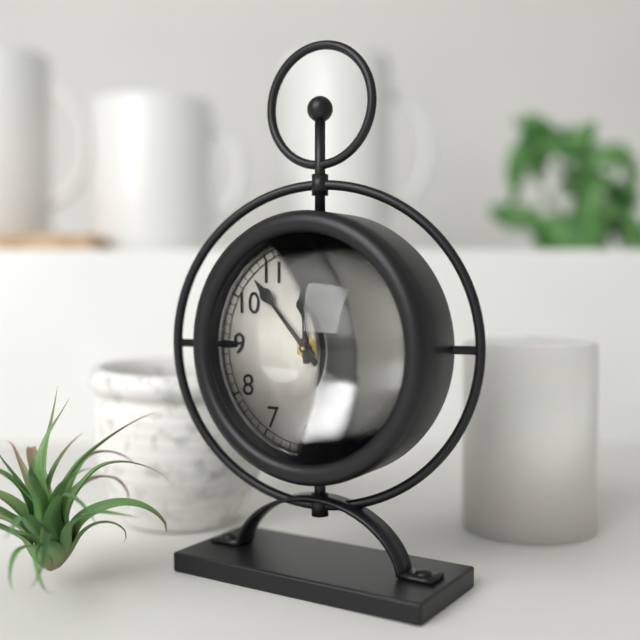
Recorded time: 11.53
